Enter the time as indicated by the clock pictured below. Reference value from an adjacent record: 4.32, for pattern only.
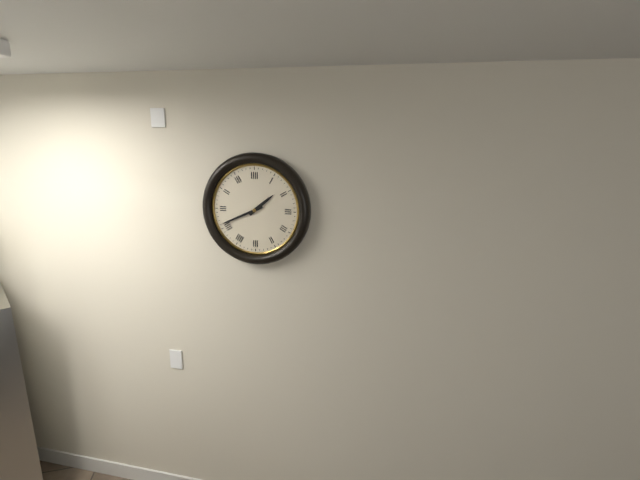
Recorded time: 1.41
